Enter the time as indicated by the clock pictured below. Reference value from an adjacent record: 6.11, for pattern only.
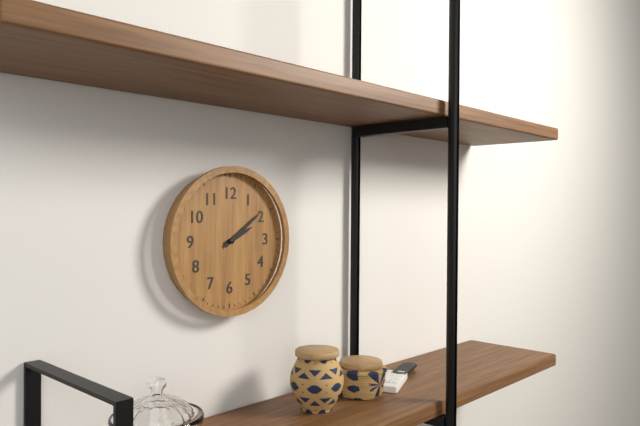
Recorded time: 2.09
